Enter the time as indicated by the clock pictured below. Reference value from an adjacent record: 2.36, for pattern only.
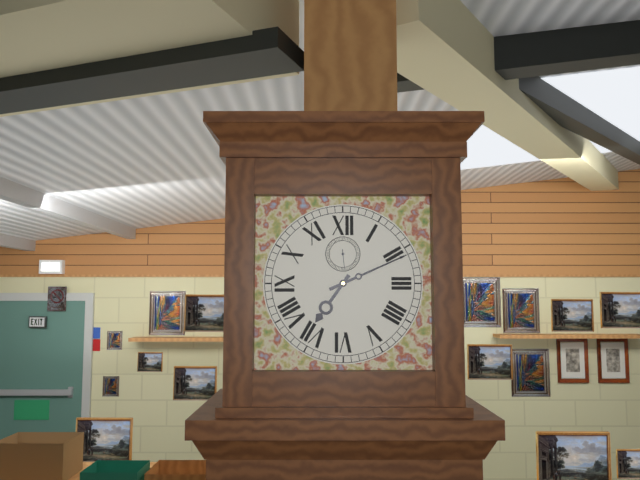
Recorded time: 7.11
